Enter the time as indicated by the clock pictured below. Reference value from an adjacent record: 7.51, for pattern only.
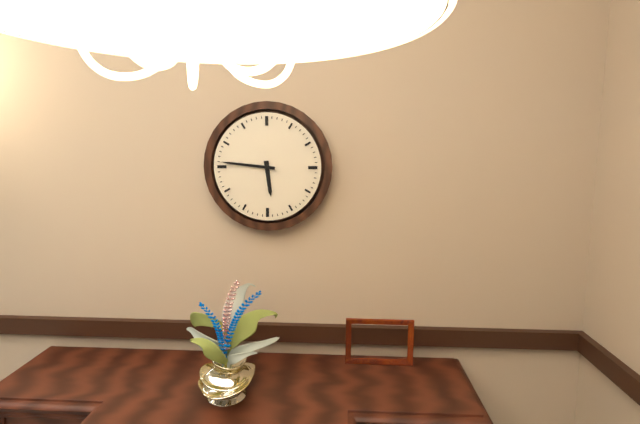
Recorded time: 5.46
